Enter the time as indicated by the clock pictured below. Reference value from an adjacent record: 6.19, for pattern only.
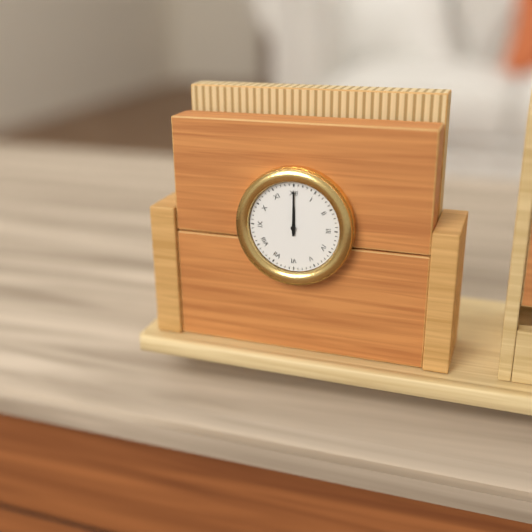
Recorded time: 12.00
